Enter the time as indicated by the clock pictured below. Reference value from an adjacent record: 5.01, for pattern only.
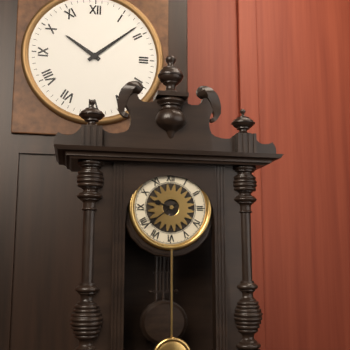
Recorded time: 9.39
